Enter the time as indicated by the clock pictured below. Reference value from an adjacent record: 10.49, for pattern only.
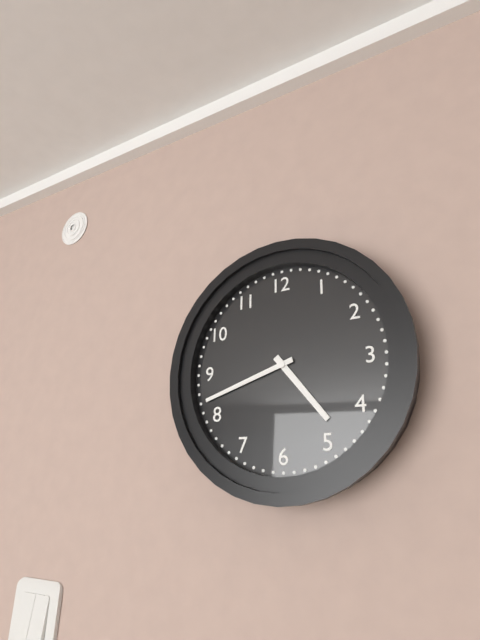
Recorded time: 4.42
